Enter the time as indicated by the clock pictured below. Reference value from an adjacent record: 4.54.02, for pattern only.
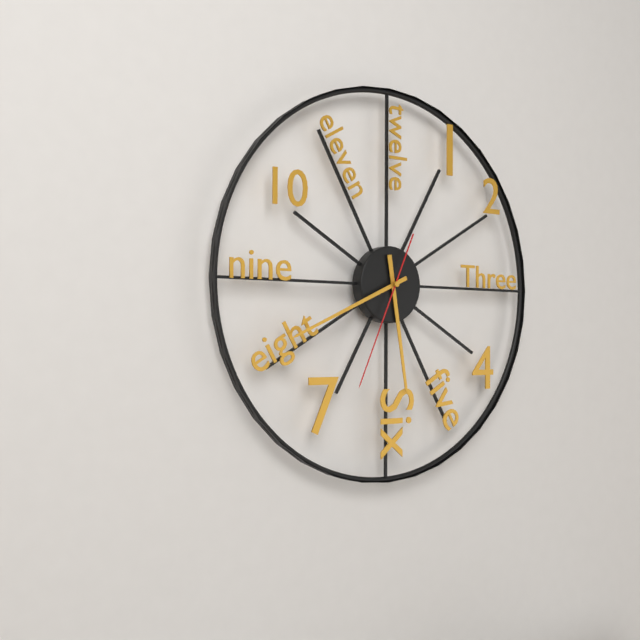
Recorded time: 5.41.34
